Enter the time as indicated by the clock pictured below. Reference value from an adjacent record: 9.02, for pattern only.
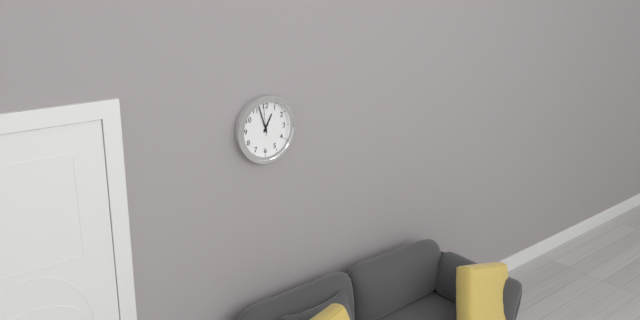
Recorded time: 12.57
